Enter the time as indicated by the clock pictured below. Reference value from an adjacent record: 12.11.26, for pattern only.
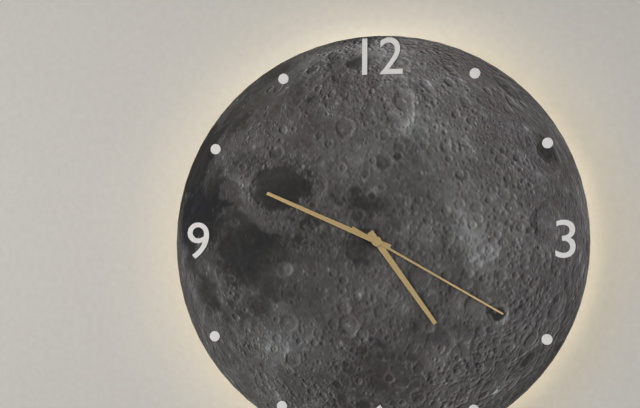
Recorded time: 4.49.20
